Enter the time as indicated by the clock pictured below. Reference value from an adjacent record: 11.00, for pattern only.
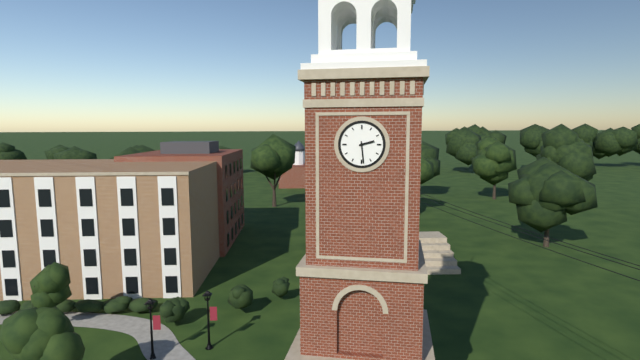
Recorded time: 2.29
